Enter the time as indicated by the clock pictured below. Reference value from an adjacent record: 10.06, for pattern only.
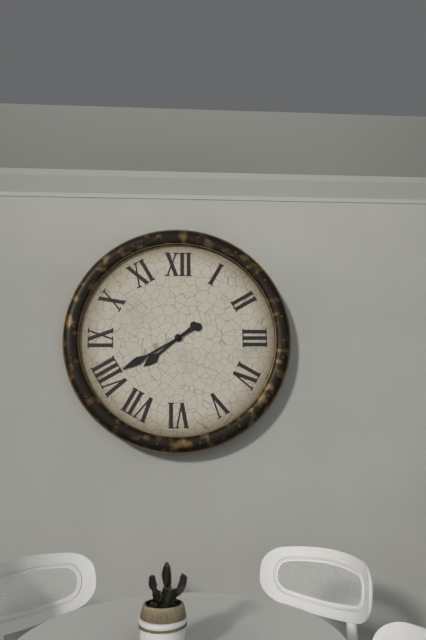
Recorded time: 7.40
